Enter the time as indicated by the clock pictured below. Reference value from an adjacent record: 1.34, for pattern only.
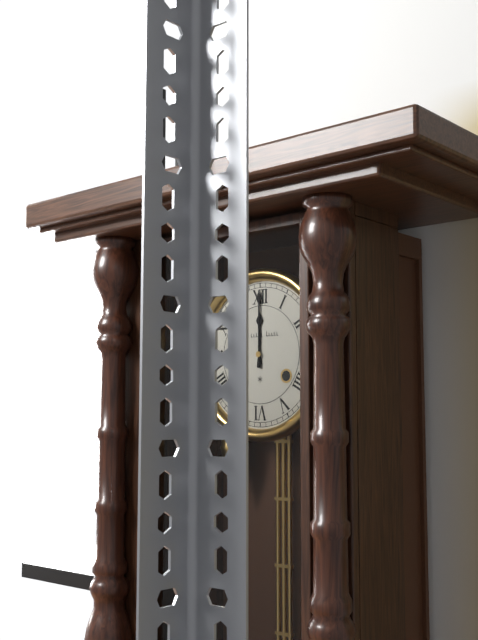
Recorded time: 12.00
